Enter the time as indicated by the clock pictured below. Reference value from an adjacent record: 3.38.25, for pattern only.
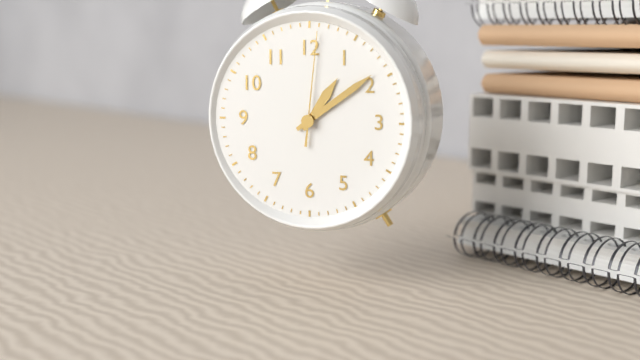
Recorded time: 1.09.01
